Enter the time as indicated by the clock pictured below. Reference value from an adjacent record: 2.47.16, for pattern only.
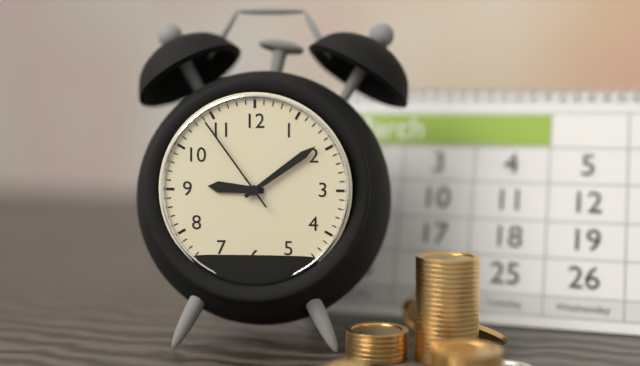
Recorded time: 9.09.54
